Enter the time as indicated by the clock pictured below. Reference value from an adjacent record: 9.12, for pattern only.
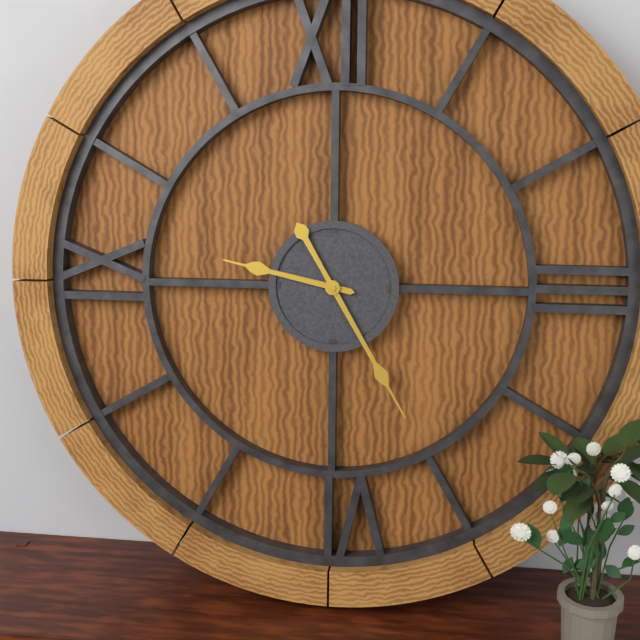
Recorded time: 9.25
